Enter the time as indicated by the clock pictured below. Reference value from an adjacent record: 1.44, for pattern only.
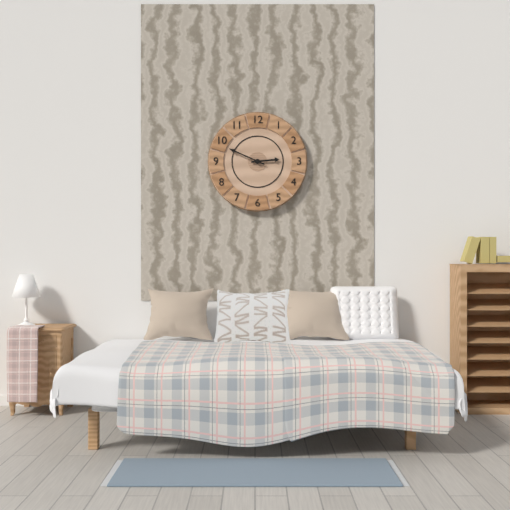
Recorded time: 2.49
